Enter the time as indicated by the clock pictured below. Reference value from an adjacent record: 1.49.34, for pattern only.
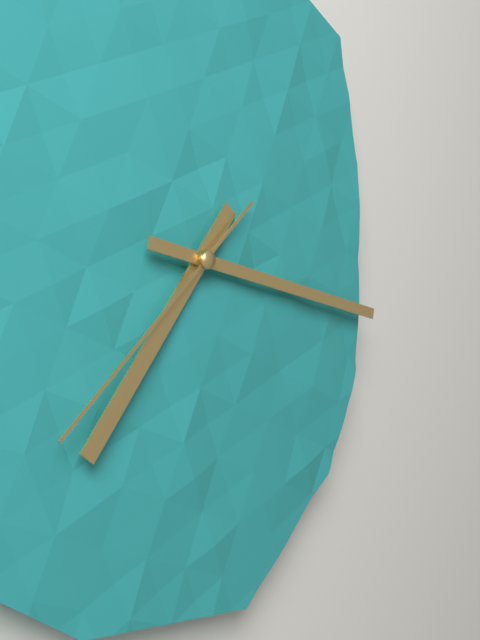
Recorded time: 7.17.38
